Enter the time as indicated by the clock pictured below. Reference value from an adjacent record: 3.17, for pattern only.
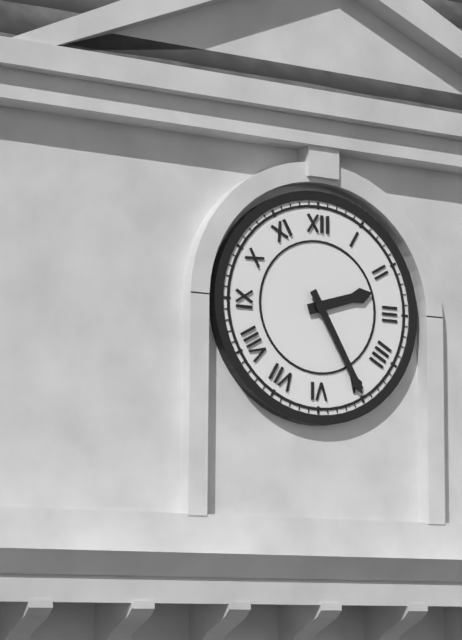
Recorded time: 2.25
